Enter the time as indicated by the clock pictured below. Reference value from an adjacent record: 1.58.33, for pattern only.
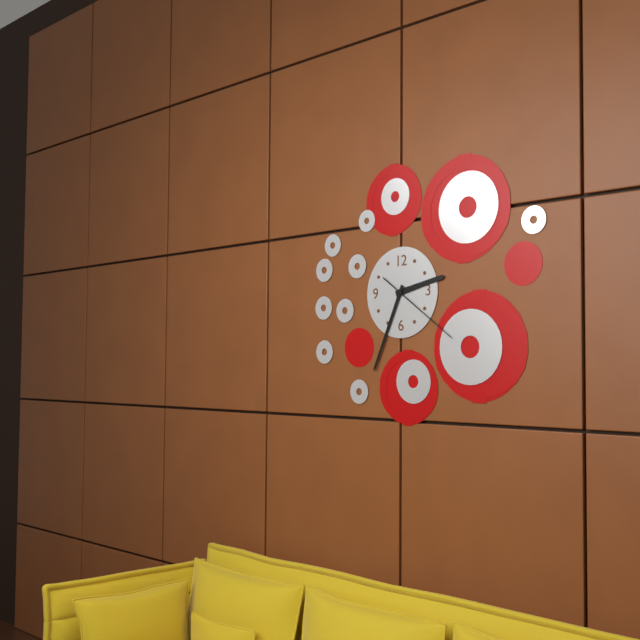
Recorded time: 2.34.21
